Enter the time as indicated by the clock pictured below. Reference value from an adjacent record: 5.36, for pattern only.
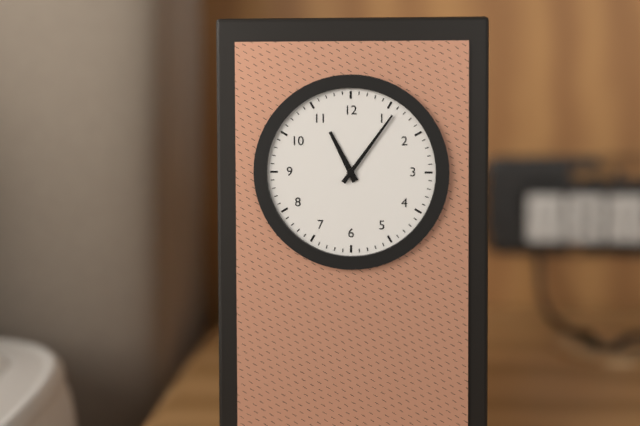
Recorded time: 11.06
